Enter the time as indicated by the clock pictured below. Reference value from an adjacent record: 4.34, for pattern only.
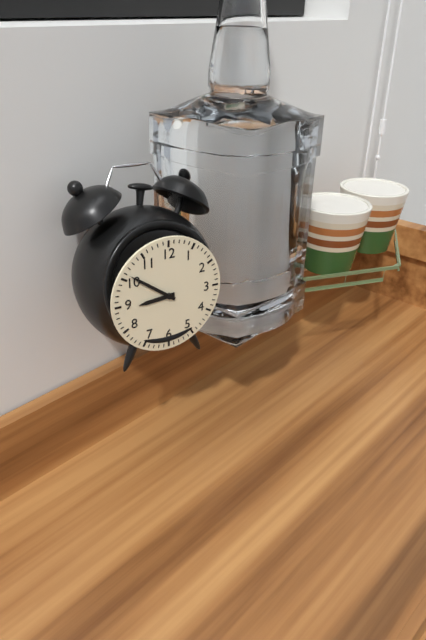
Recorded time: 8.51
